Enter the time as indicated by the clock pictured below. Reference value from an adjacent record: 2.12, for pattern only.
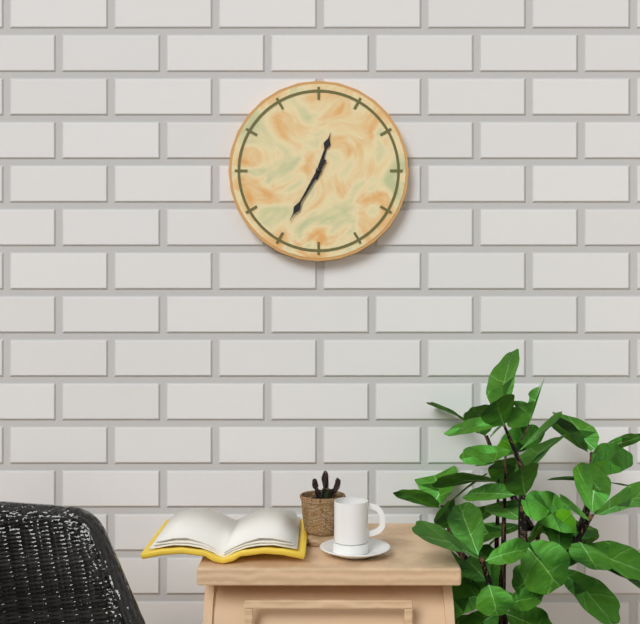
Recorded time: 12.35
